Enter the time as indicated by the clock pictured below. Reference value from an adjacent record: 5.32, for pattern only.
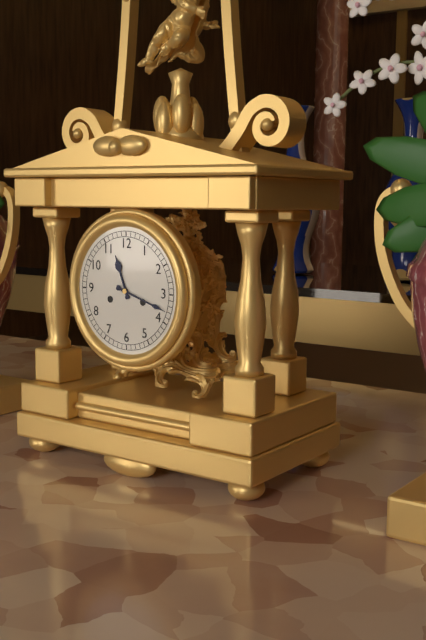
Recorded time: 11.18
